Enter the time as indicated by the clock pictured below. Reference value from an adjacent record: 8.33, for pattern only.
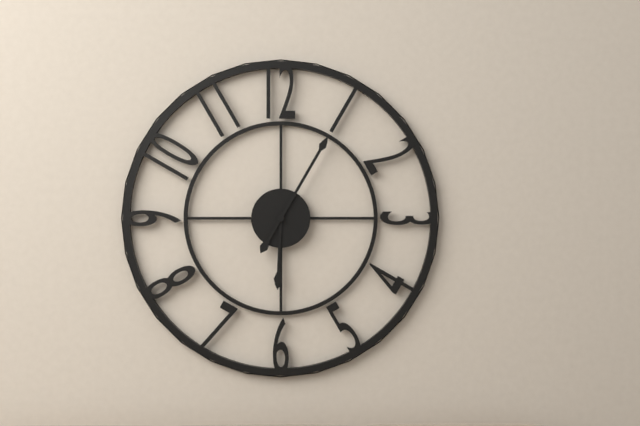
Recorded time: 6.05
